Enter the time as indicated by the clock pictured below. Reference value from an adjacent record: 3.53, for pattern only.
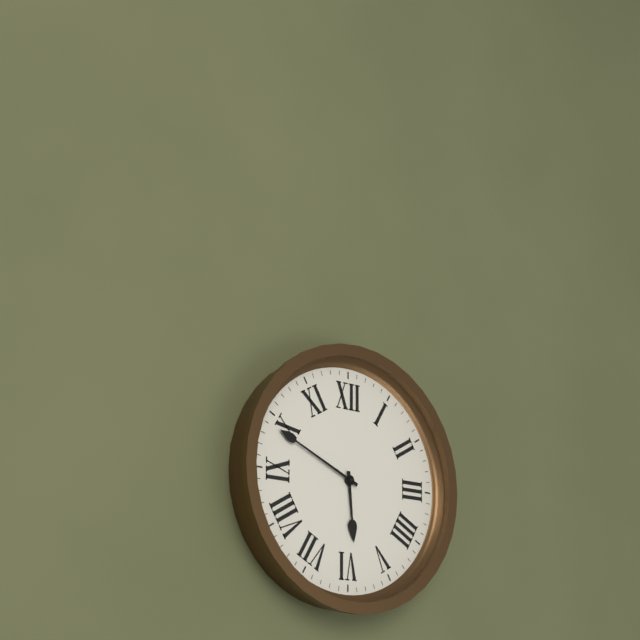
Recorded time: 5.49
